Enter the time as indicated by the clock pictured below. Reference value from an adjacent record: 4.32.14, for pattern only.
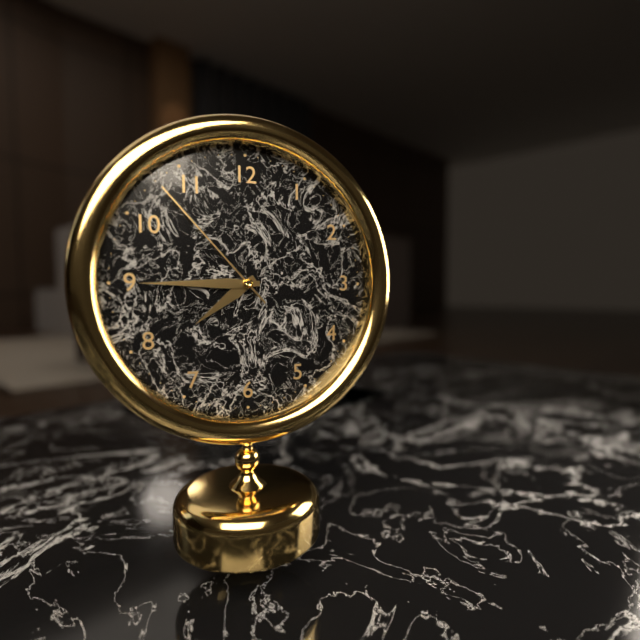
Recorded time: 7.45.53
